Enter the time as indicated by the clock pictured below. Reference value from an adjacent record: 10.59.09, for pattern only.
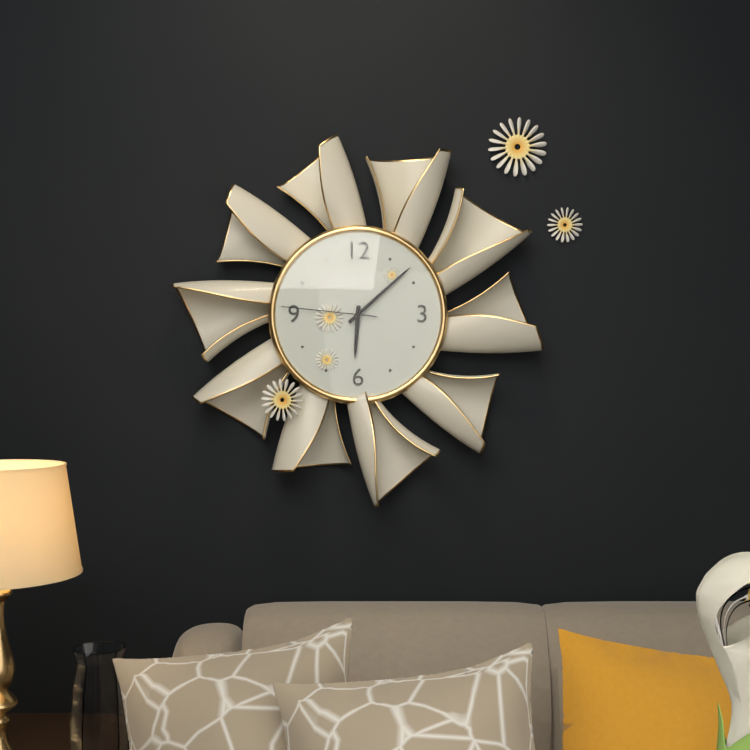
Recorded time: 6.08.46
